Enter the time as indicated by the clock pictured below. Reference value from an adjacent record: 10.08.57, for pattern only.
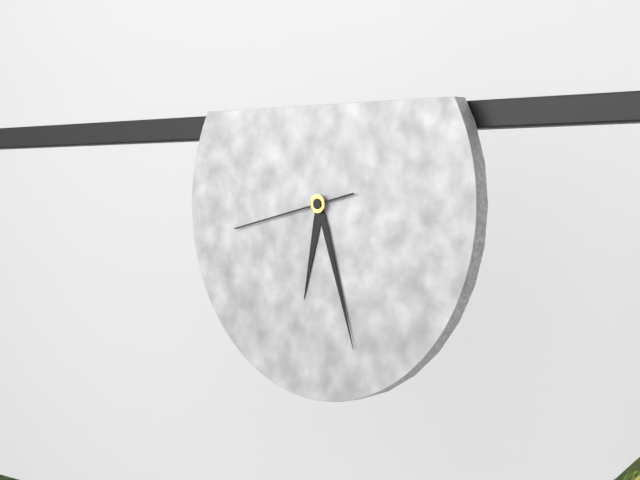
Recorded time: 6.27.43
